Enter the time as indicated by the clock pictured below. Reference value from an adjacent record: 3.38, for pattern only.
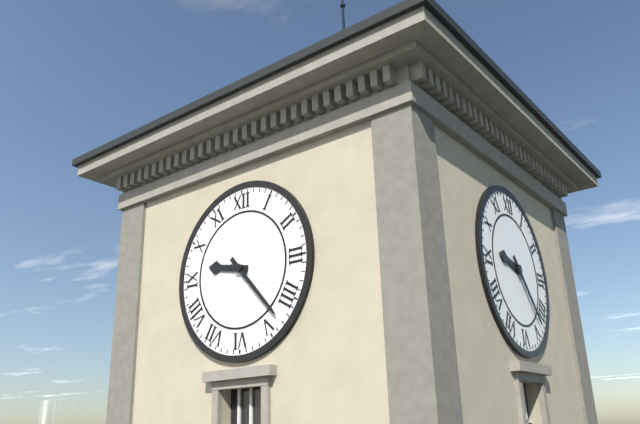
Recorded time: 9.23
